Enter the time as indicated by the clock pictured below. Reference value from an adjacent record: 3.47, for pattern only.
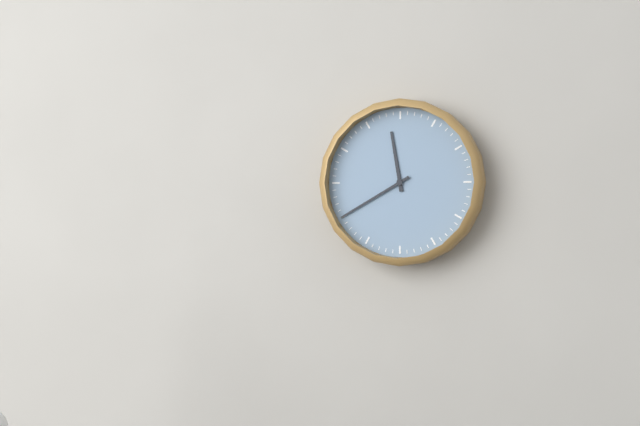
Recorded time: 11.40
